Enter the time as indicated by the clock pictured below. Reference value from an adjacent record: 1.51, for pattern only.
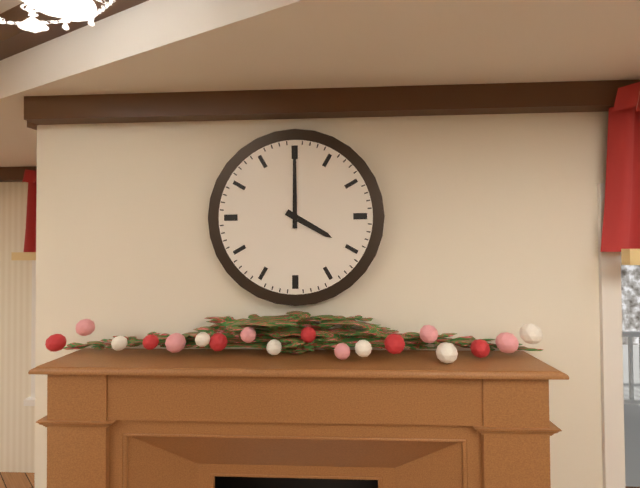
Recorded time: 4.00
